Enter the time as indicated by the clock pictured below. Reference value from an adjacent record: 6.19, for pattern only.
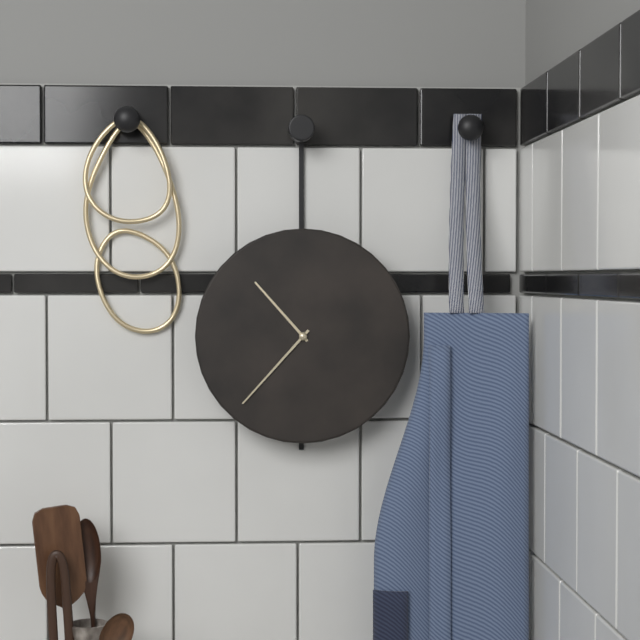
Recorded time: 10.37
